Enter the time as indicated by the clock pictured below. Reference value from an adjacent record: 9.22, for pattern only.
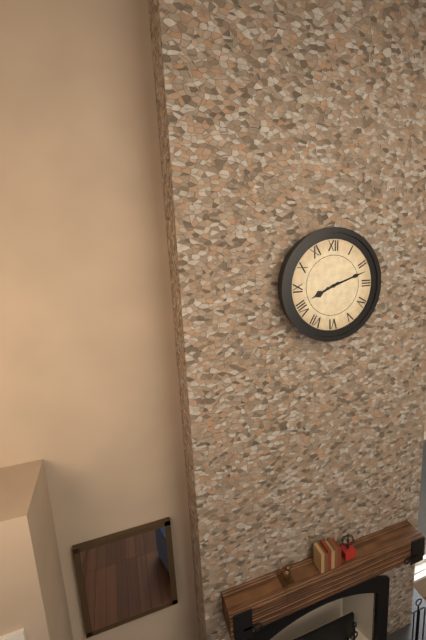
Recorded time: 8.12
